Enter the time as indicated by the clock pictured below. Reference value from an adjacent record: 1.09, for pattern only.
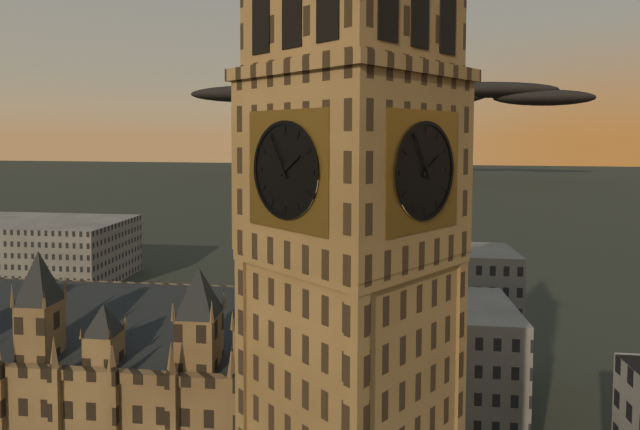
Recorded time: 1.55
